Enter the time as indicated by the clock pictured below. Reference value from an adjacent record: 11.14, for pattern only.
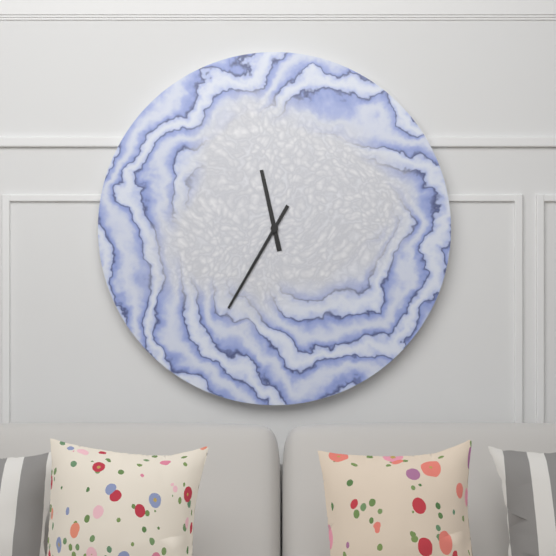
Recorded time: 11.35
